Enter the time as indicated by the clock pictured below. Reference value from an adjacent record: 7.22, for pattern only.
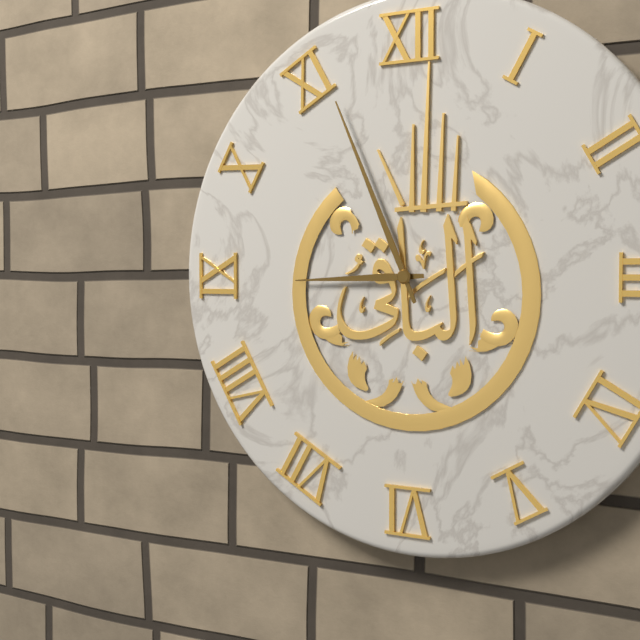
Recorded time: 8.56
